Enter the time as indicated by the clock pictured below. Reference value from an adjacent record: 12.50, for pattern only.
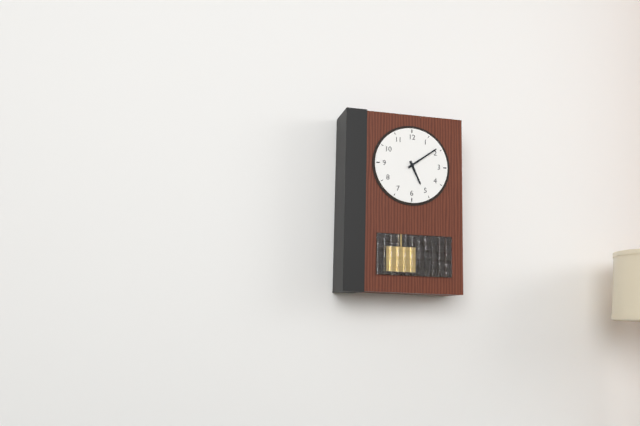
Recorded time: 5.09
